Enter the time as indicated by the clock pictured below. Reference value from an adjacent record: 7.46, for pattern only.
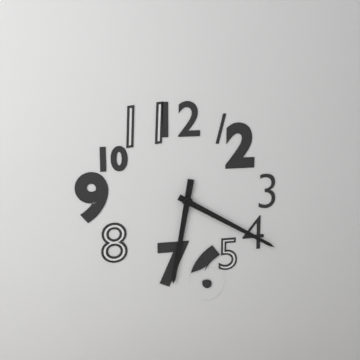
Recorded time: 6.20
